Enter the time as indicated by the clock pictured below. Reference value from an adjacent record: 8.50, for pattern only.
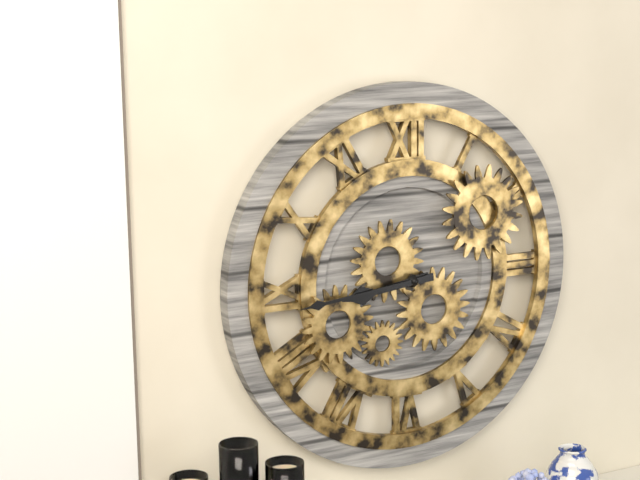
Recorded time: 8.44
